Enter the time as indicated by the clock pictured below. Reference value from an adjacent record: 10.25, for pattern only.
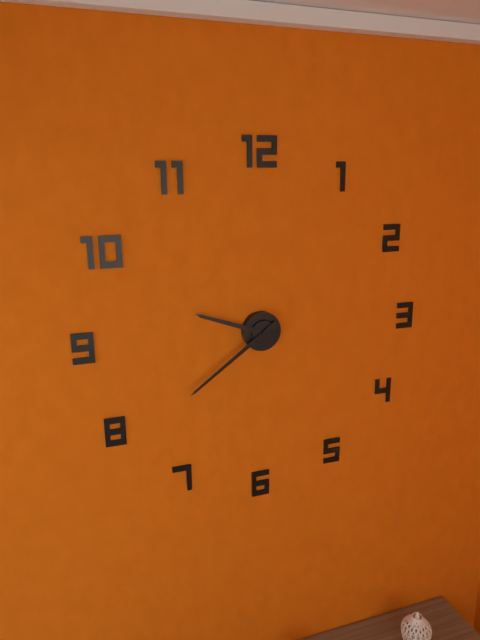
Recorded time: 9.39
